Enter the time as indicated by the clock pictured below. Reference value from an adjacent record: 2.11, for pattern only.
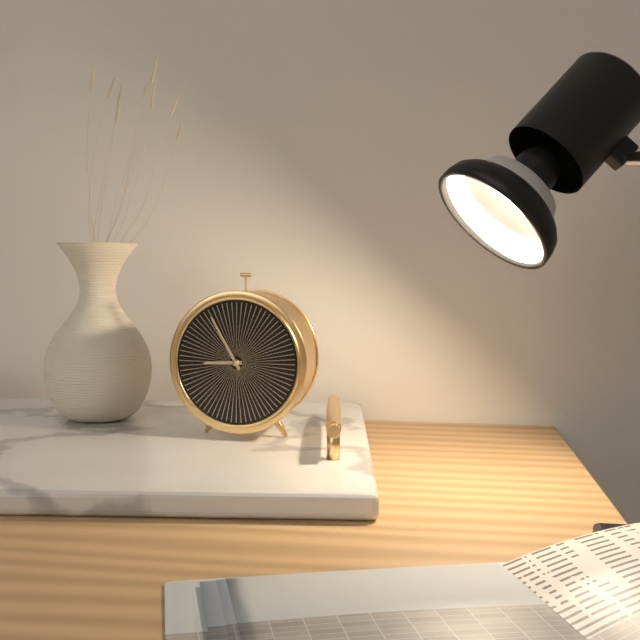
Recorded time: 8.55
